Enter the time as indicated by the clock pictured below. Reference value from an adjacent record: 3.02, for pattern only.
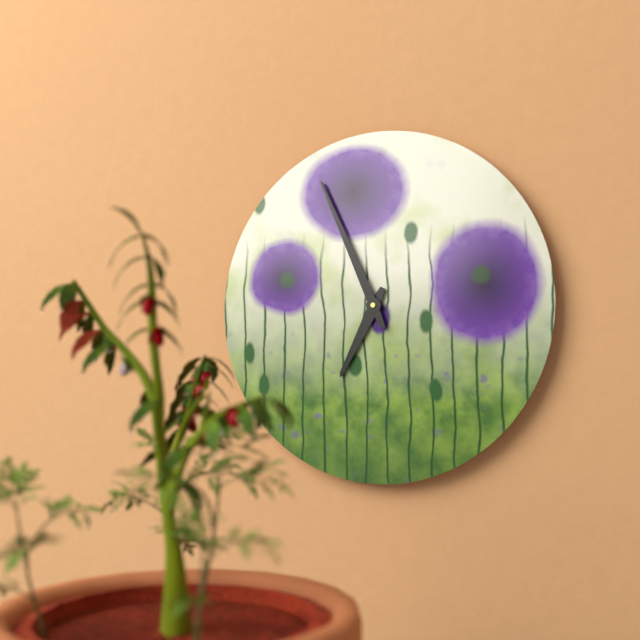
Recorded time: 6.56
